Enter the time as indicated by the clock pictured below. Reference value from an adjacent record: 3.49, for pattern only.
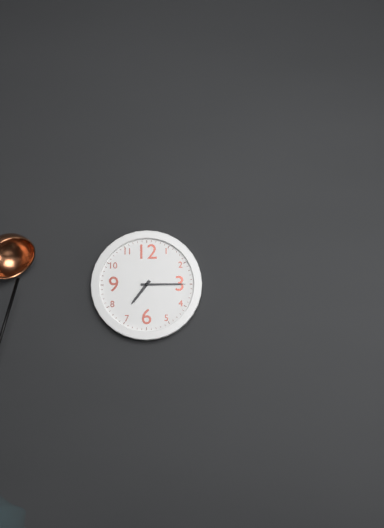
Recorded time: 7.15
